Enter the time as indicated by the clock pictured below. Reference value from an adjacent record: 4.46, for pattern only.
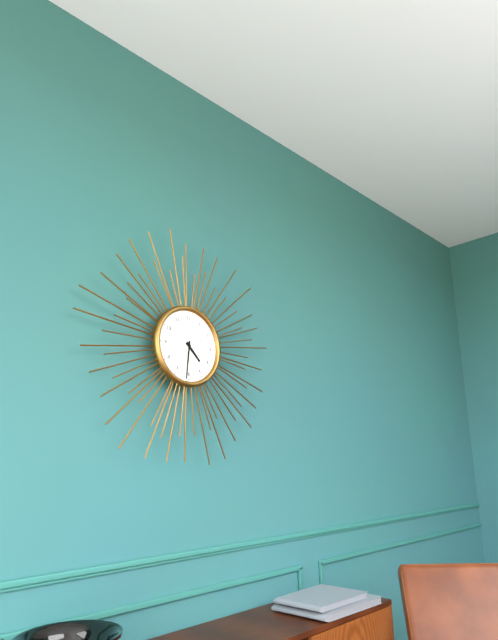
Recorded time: 4.31
